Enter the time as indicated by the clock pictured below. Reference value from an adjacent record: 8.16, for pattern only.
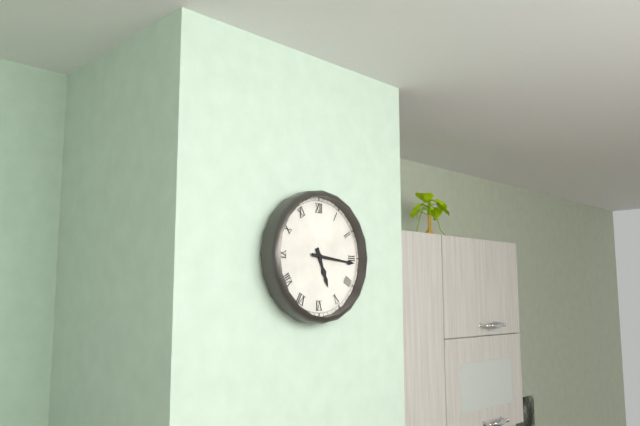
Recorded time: 5.16
